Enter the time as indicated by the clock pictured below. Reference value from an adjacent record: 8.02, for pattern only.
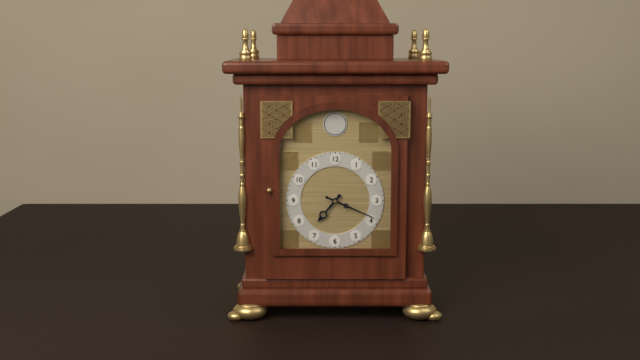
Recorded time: 7.19
